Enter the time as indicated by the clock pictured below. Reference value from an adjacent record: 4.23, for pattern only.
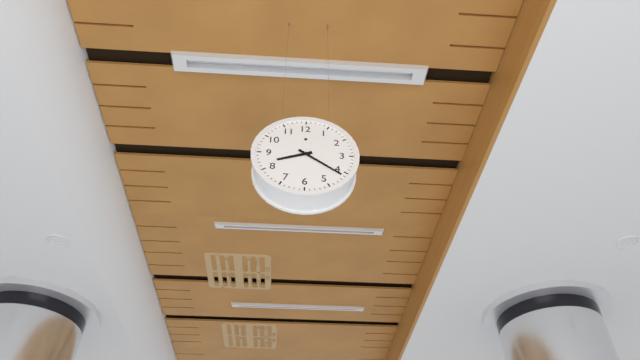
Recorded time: 8.21
